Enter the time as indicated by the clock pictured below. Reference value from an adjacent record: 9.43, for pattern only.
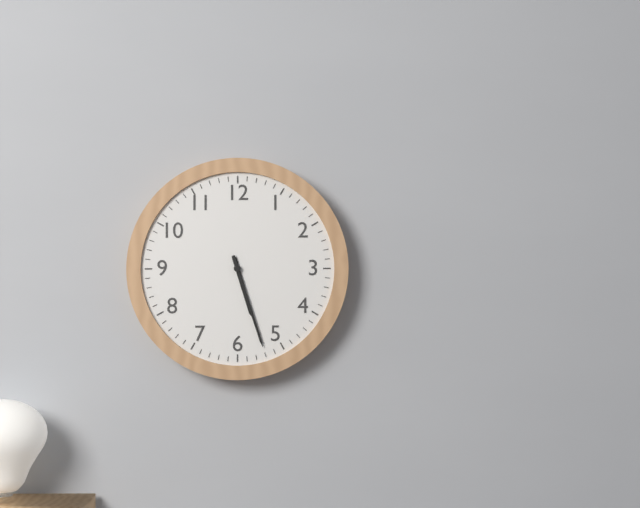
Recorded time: 5.27
